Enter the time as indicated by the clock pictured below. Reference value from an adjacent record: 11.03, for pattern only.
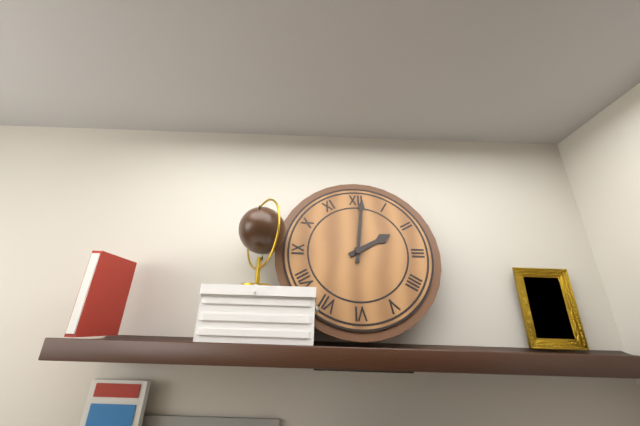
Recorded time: 2.01
